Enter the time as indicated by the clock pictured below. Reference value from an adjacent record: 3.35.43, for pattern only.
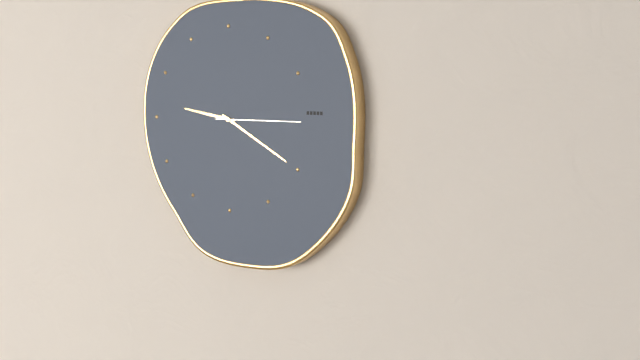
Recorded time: 9.20.15
